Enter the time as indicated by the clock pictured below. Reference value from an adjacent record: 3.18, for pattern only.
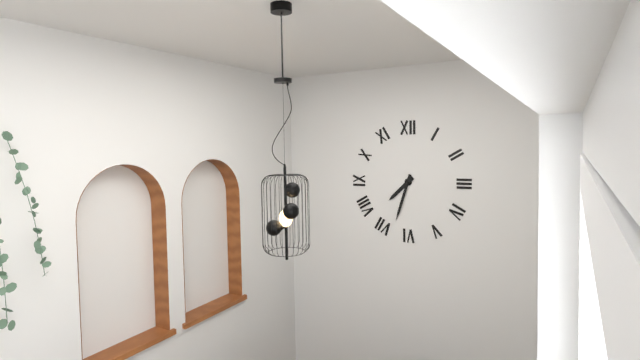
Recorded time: 7.33
